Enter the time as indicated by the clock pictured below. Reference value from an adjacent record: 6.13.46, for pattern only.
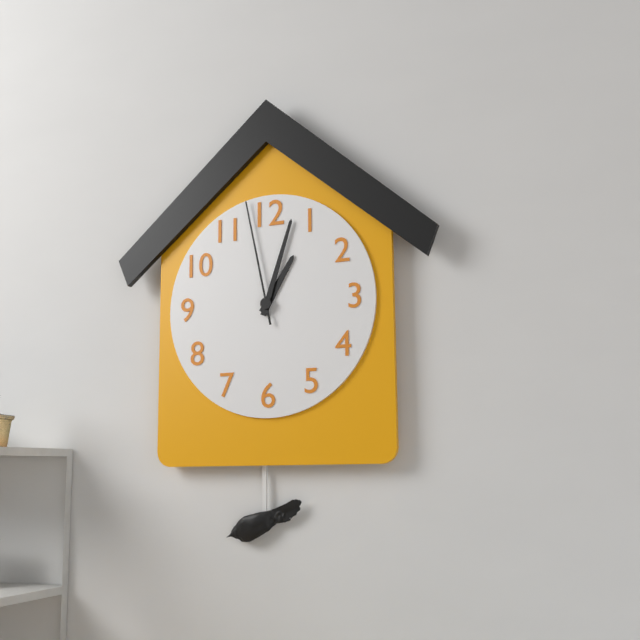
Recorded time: 1.03.58
